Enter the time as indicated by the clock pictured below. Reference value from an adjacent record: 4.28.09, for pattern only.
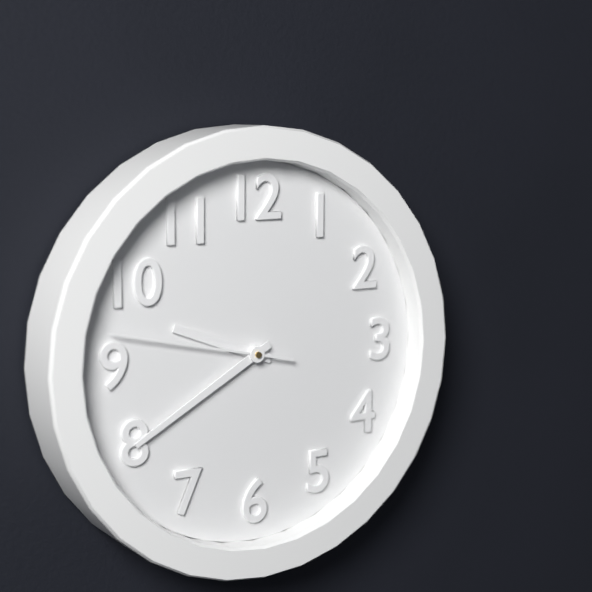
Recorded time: 9.40.47
